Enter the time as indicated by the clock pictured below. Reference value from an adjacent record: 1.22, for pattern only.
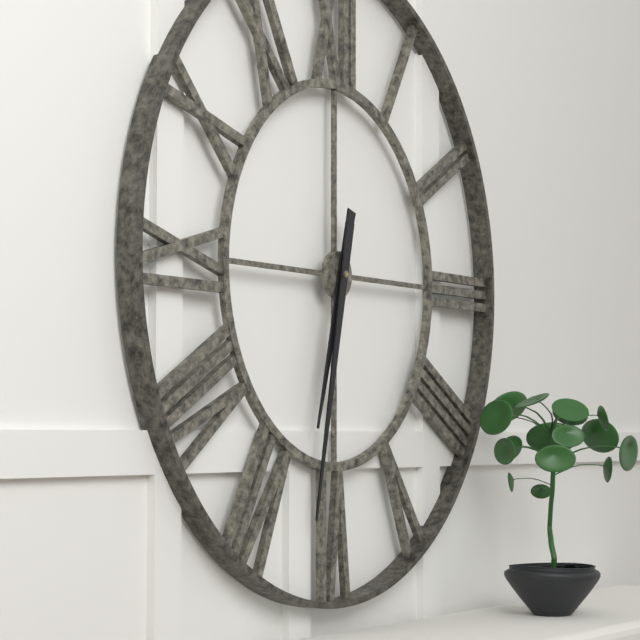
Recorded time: 6.32
